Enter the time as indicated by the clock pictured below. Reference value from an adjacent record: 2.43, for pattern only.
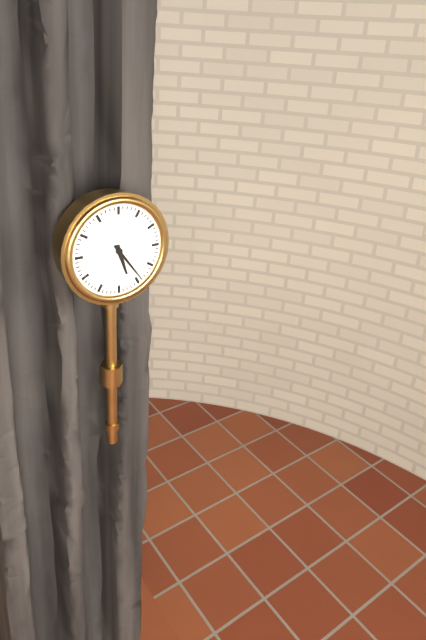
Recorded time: 5.24
